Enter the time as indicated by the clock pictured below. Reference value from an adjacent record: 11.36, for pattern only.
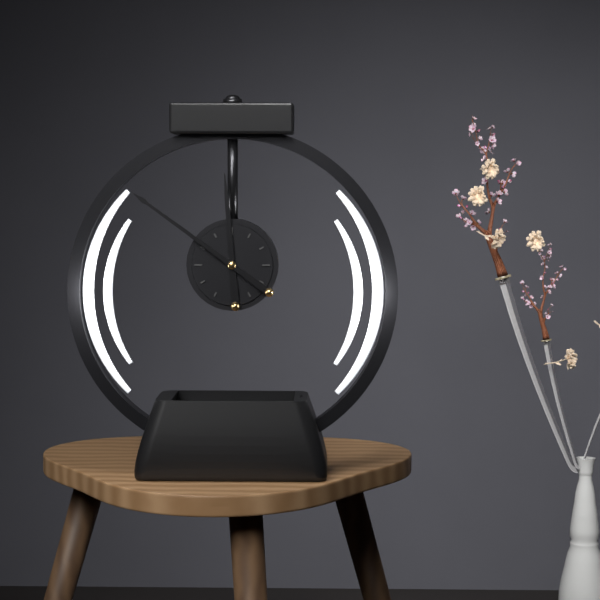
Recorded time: 11.51
